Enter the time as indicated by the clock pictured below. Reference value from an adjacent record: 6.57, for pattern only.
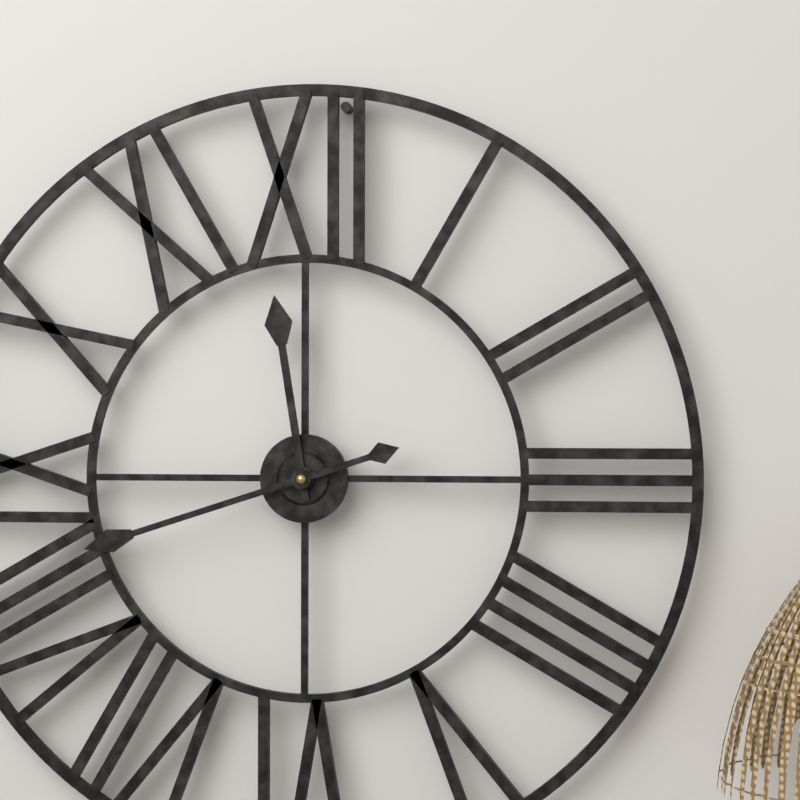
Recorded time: 11.42
